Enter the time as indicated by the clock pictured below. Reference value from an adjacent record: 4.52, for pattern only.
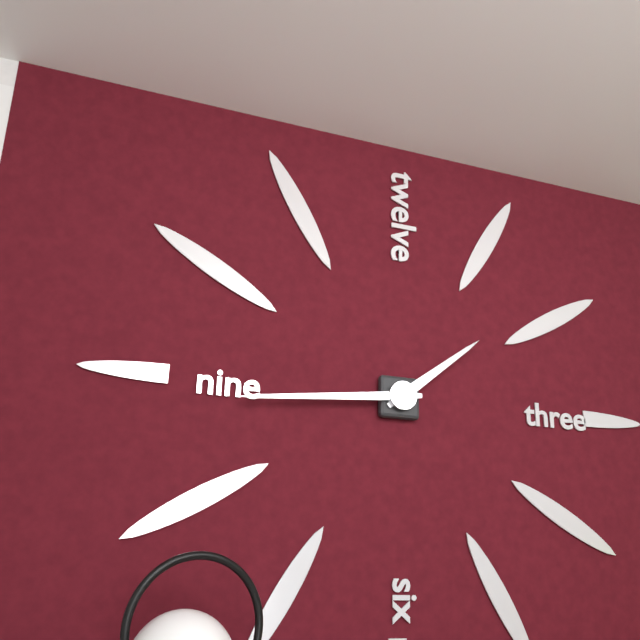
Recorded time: 1.44
